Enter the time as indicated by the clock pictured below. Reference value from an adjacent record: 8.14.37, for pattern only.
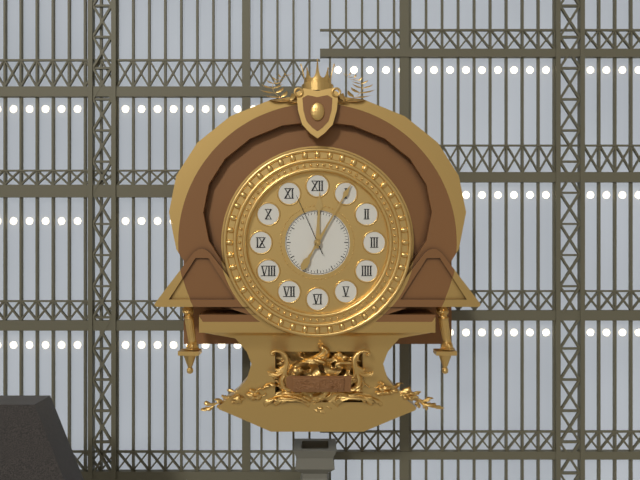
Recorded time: 12.05.56
